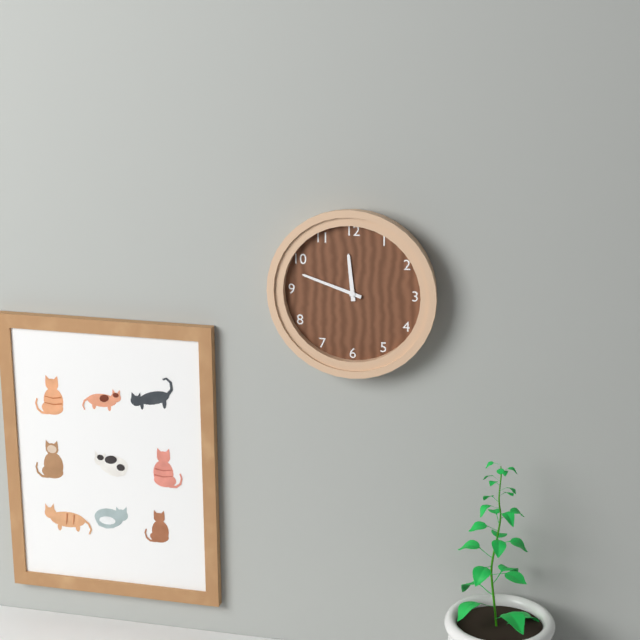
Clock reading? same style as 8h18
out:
11h48
